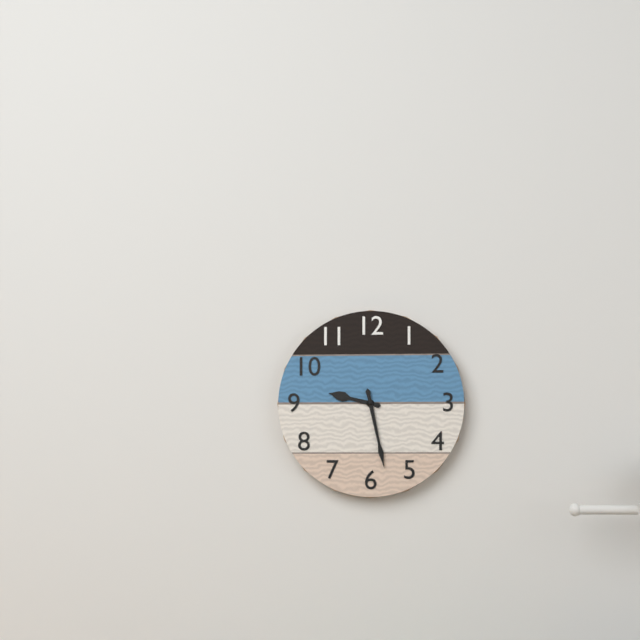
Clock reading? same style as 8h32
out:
9h28
